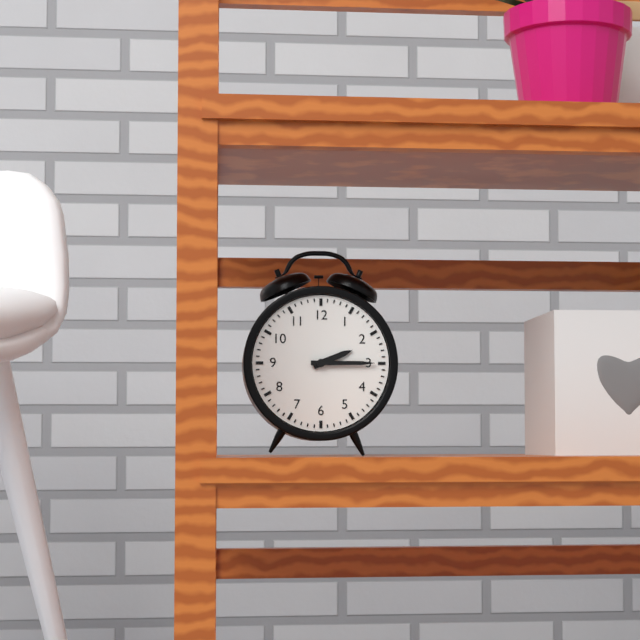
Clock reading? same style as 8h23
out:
2h15
